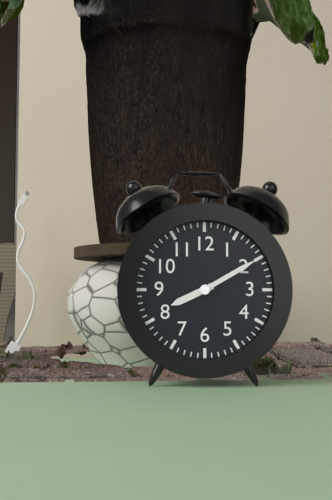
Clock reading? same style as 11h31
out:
8h10
